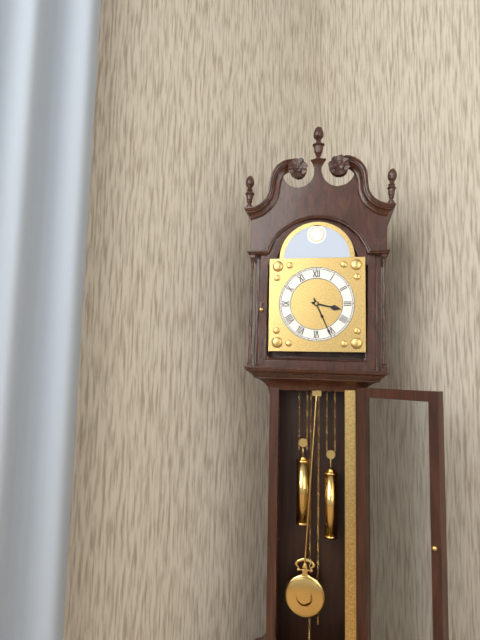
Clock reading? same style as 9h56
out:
3h26
